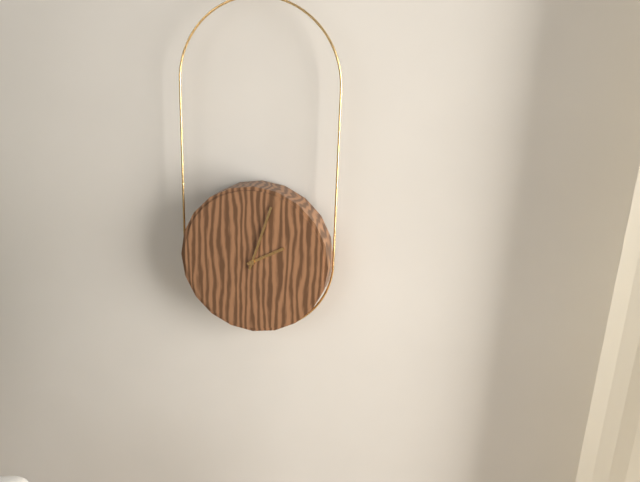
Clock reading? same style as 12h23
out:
2h03
